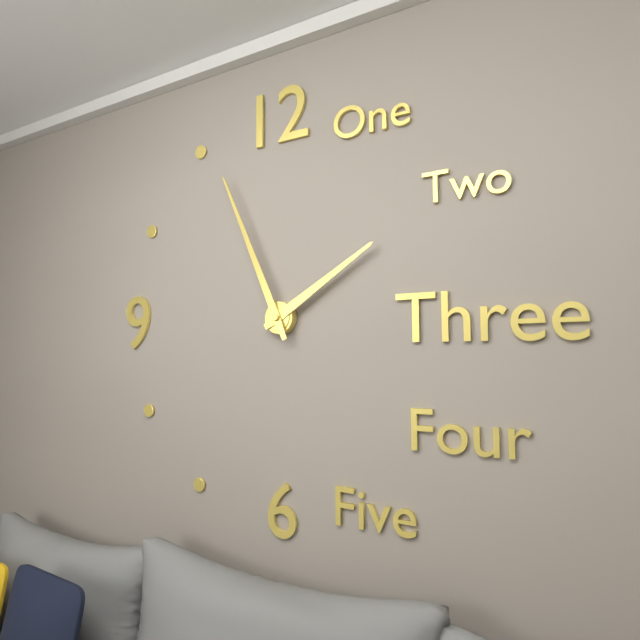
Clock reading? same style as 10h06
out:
1h56
